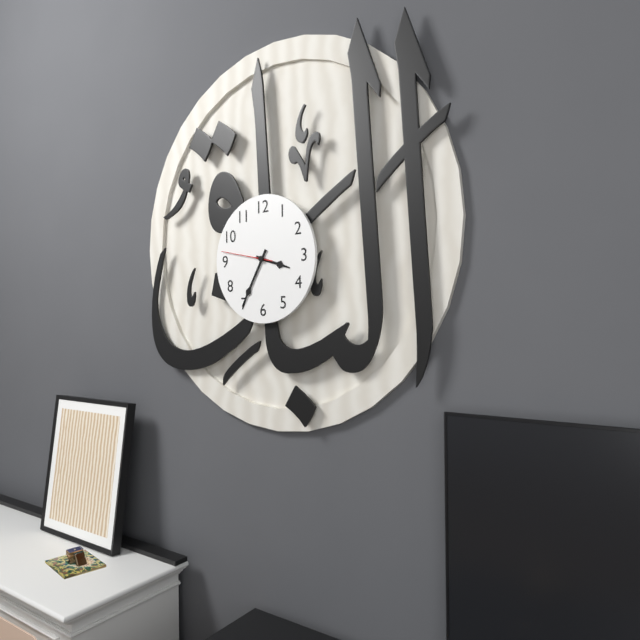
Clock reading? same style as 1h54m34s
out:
3h35m47s
